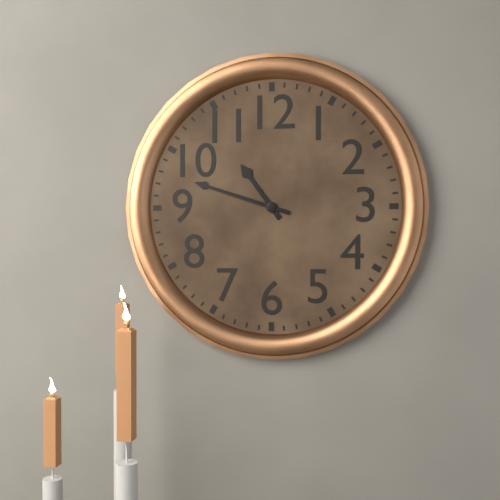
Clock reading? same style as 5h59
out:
10h48
